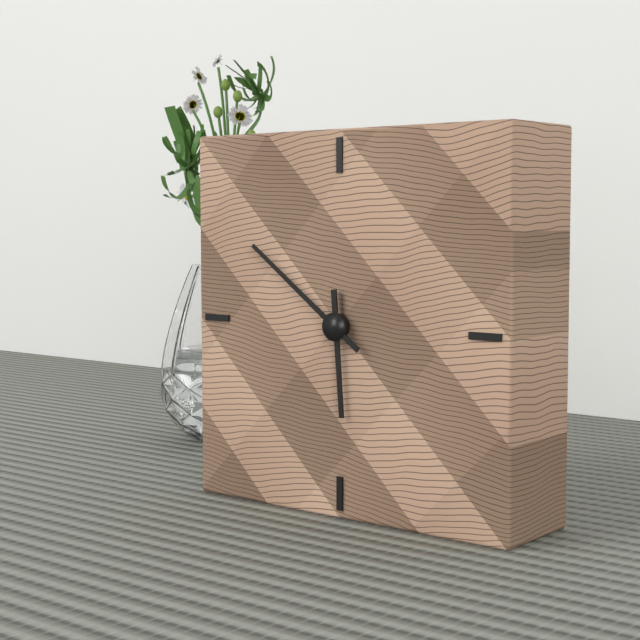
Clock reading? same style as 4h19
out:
5h51
